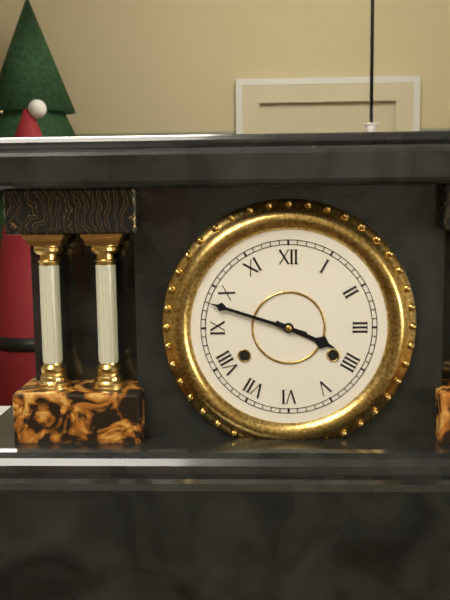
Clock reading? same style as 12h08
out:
3h48
